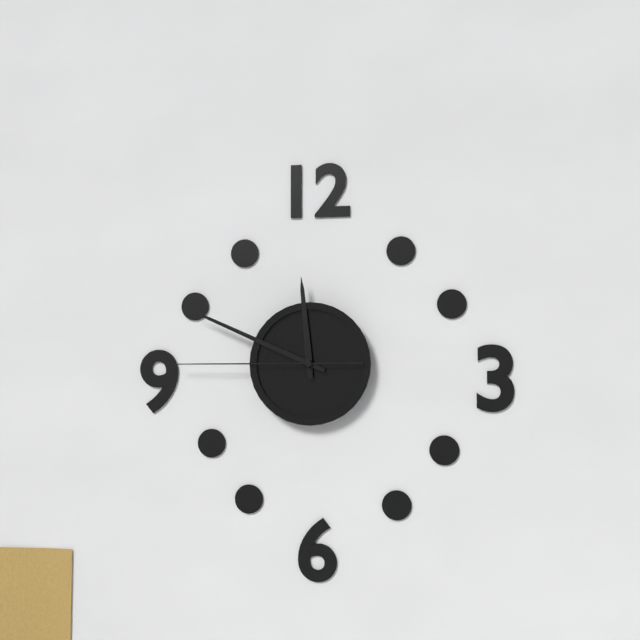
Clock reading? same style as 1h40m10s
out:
11h49m45s
